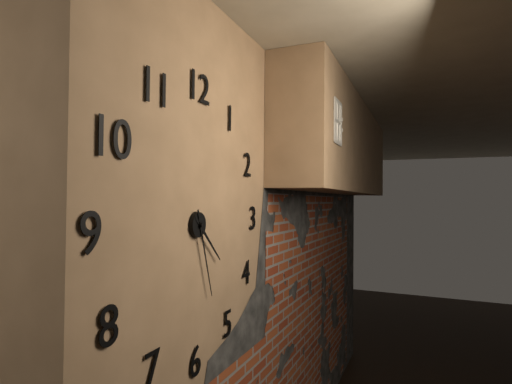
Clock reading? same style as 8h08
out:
4h27
